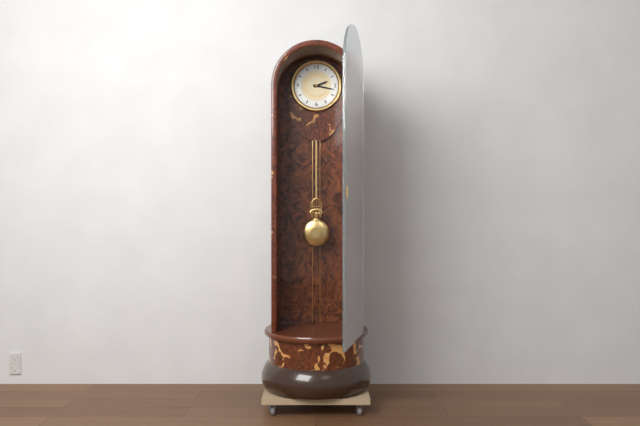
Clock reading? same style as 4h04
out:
2h17
